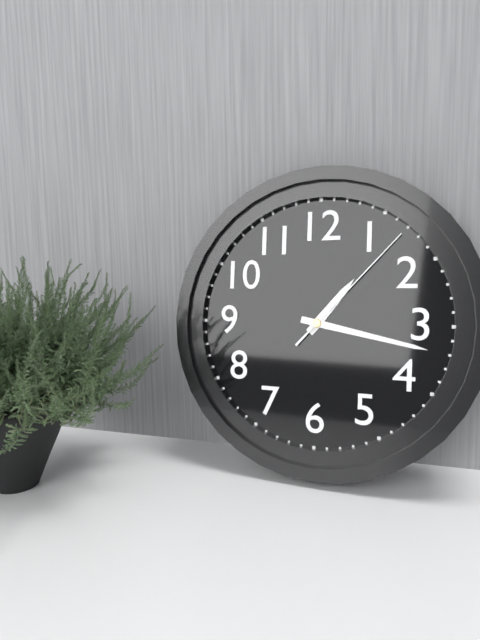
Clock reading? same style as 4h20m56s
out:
1h17m07s
